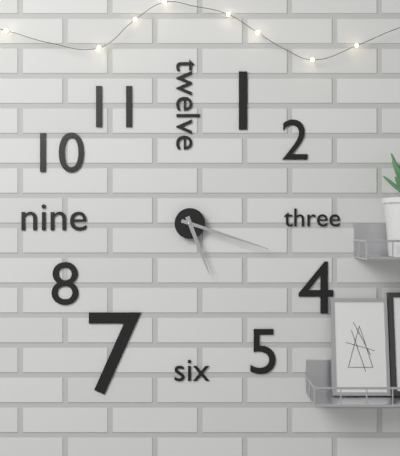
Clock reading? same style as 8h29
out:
5h18
